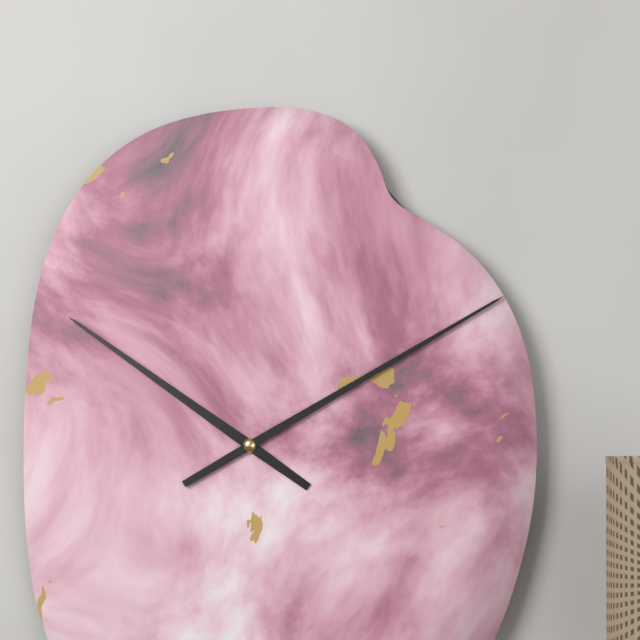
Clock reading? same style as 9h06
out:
10h10
